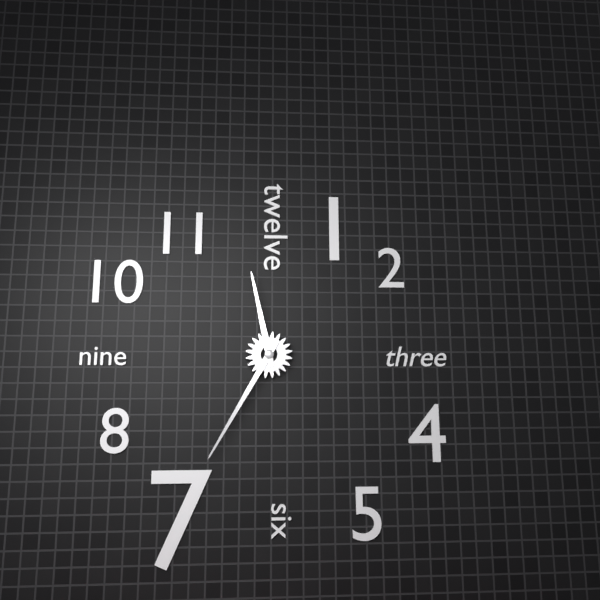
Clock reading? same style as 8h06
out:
11h35
